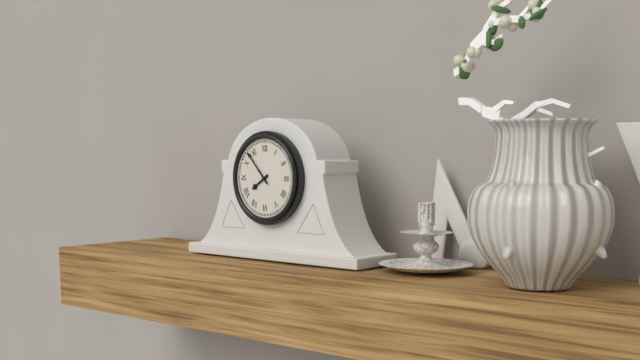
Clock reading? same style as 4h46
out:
7h53
